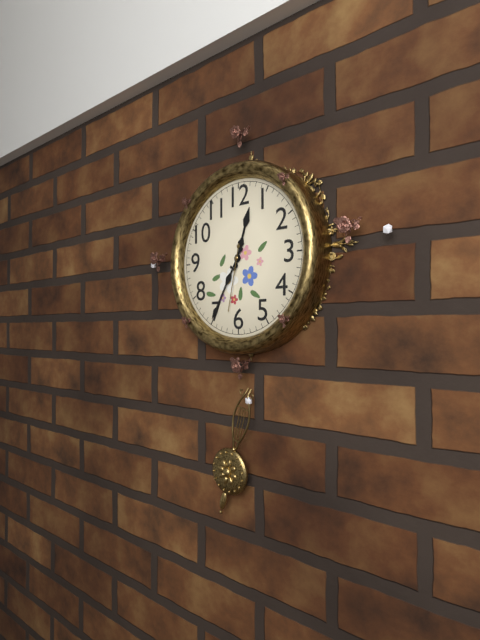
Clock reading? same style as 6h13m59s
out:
12h35m32s
